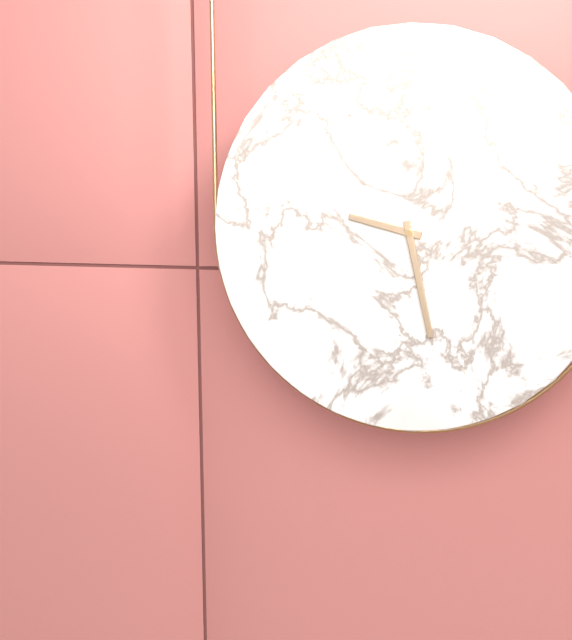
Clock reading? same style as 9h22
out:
9h28
